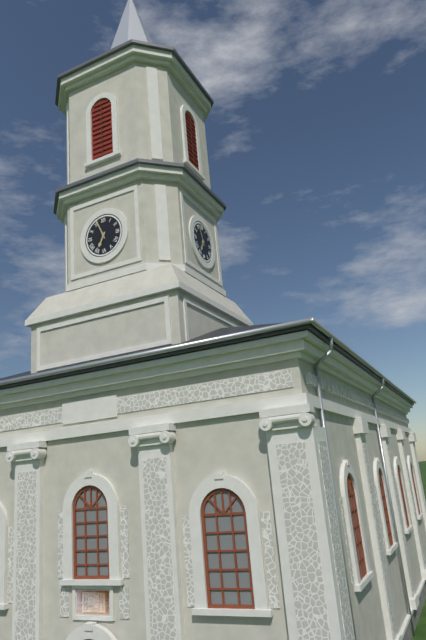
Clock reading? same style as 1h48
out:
6h56
